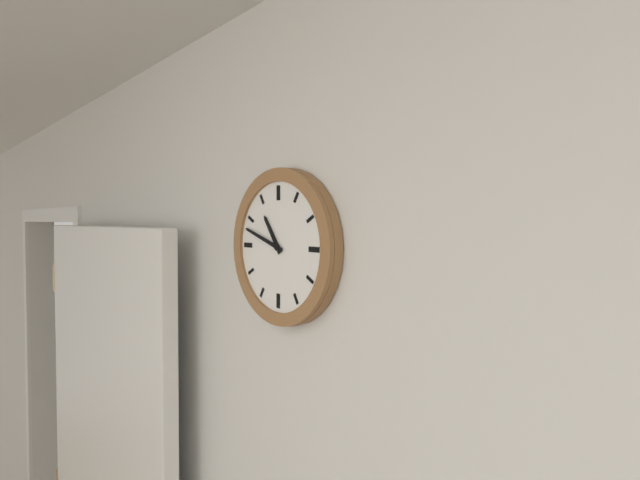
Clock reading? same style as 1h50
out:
10h48
